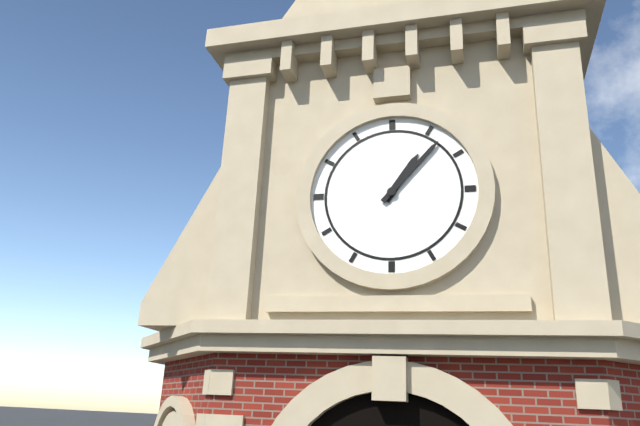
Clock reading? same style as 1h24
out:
1h07
